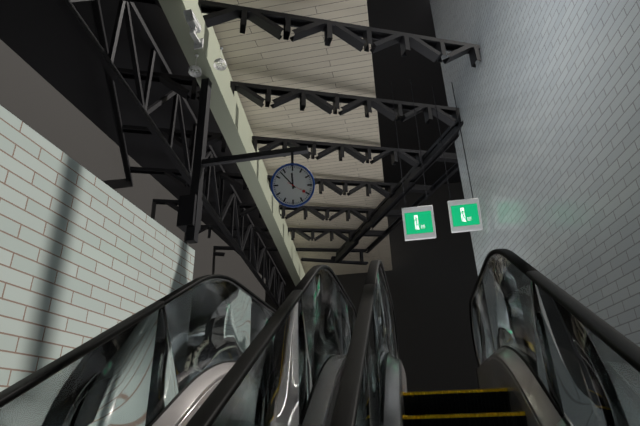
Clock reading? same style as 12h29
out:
11h53
